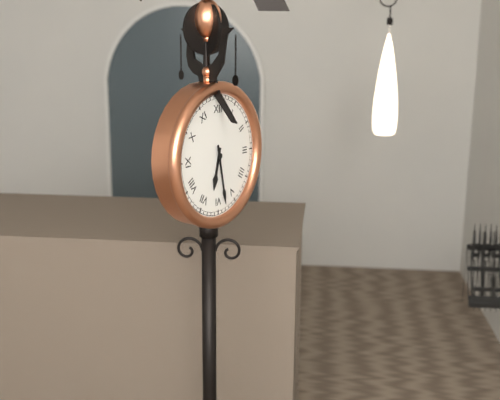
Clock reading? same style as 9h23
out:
6h28
